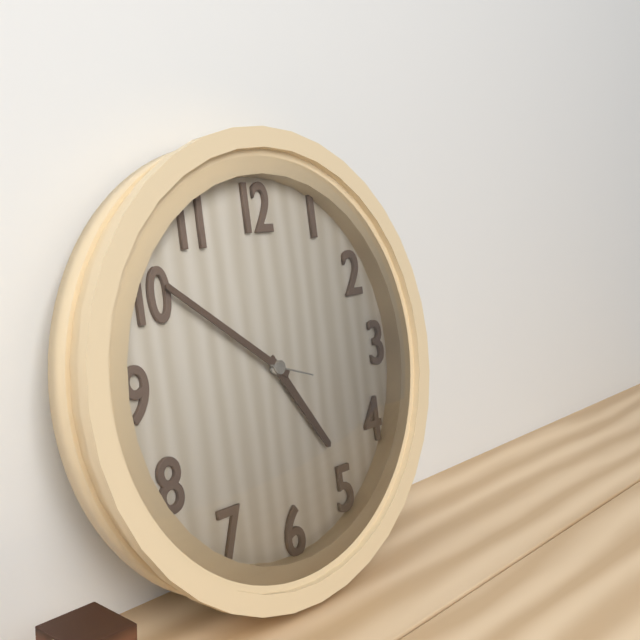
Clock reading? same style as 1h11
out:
4h51
